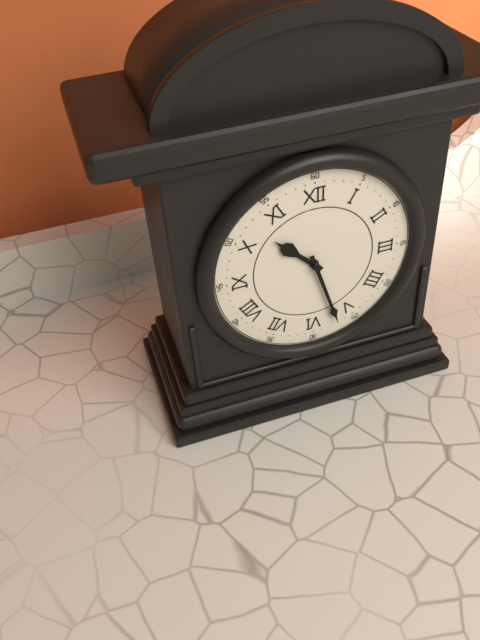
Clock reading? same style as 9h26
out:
10h27
